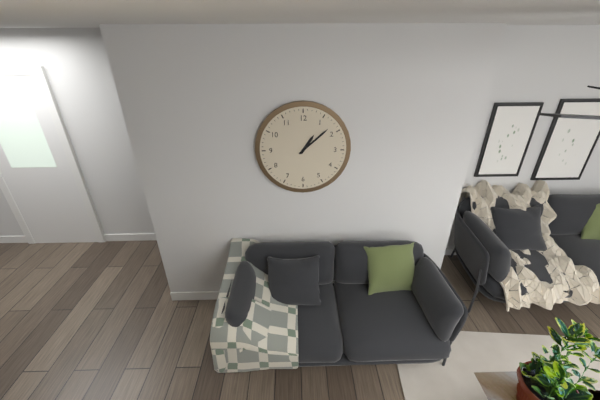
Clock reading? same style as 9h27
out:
1h08
